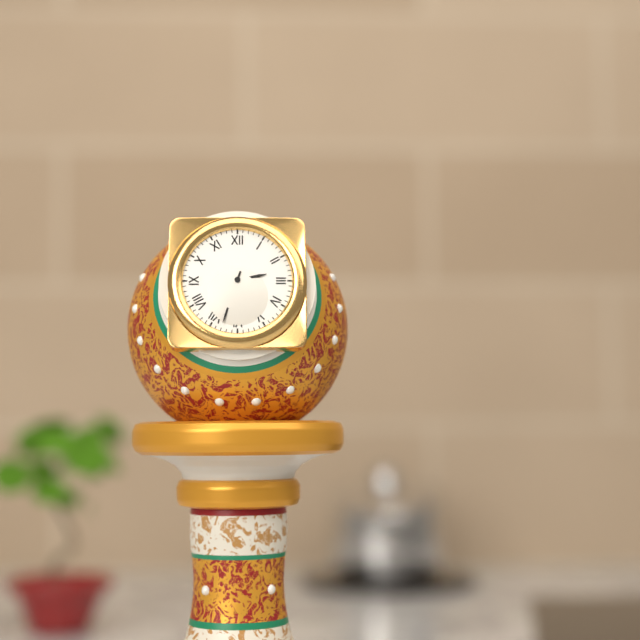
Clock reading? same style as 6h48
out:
2h33
